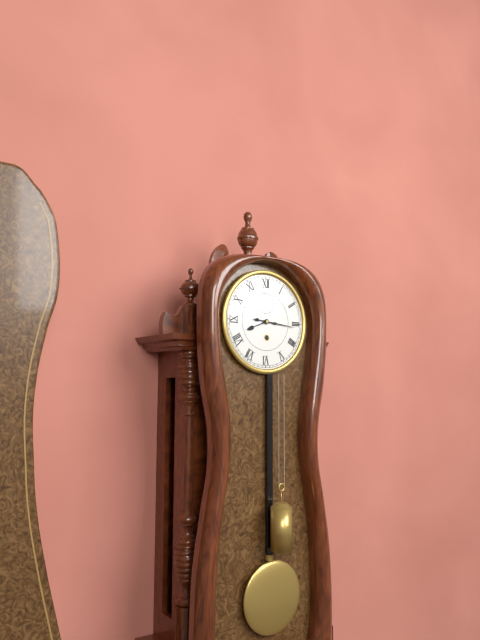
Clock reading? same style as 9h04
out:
8h16
